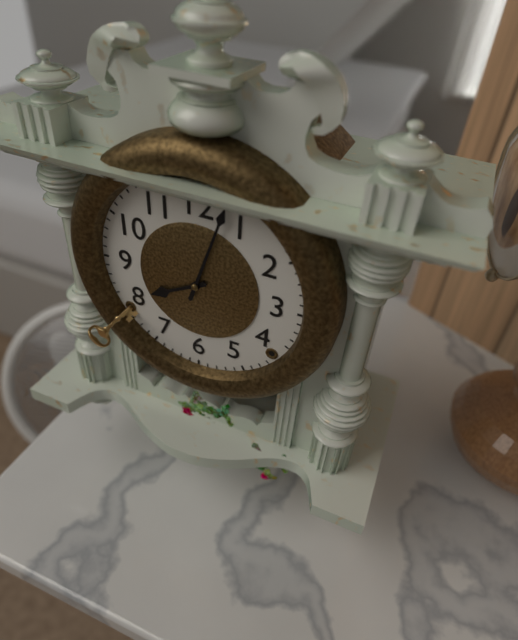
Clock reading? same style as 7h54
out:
8h03
